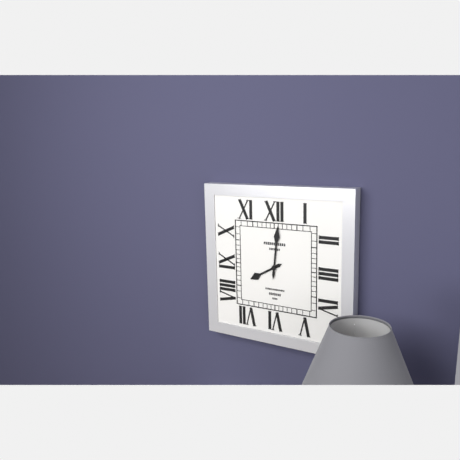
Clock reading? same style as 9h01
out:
8h01
